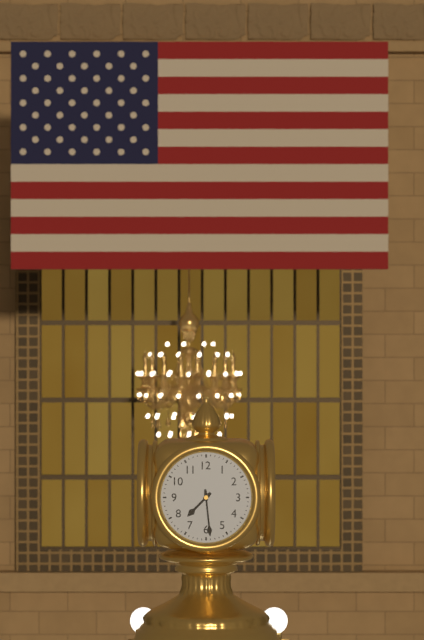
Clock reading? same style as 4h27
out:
7h29
